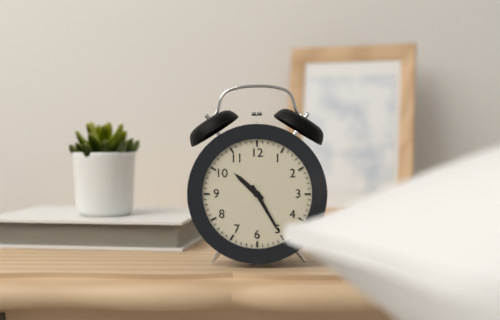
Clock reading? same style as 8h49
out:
10h25
